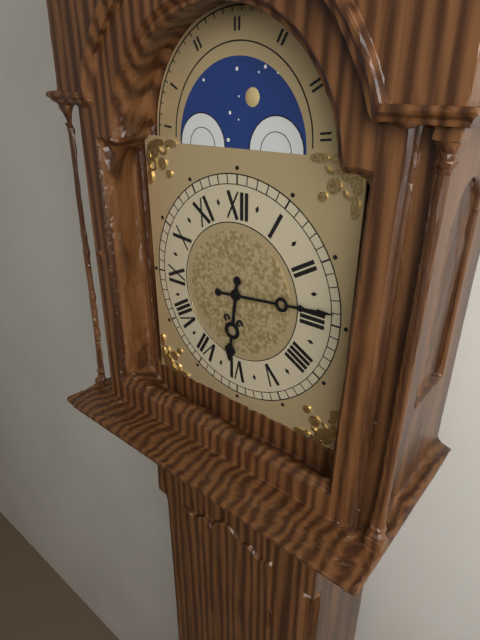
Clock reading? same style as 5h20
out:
6h14
